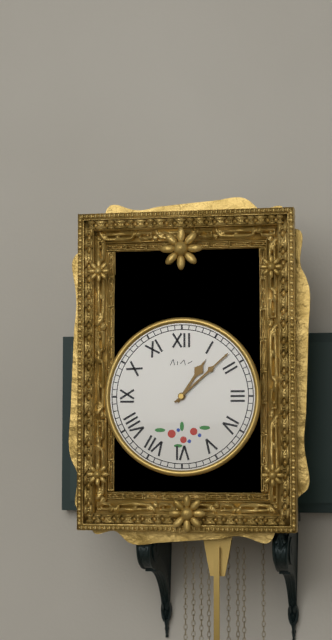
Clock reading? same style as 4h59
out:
1h08
